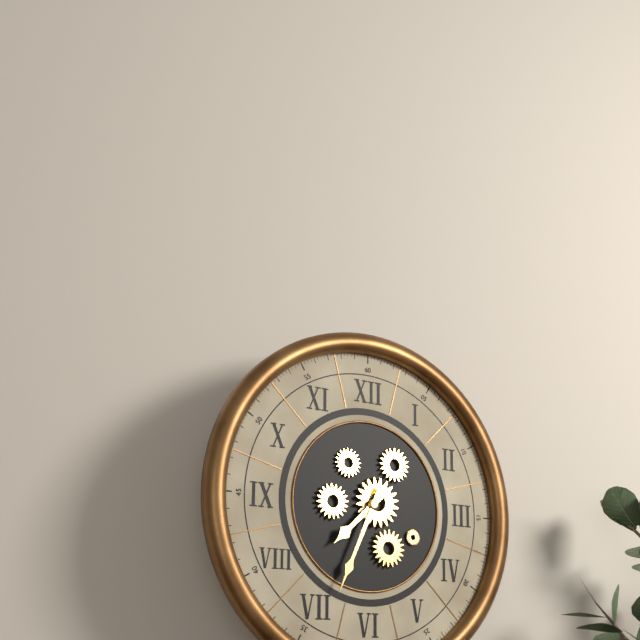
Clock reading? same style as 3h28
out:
7h34
